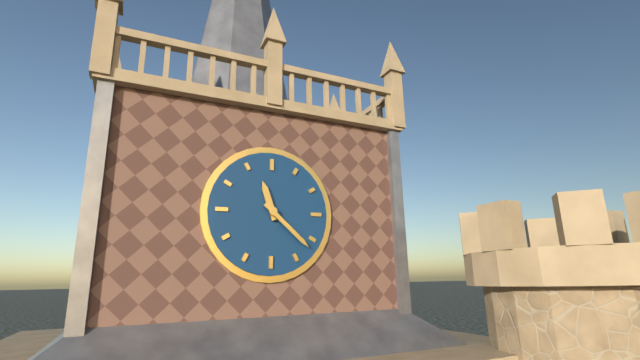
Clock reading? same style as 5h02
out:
11h22
